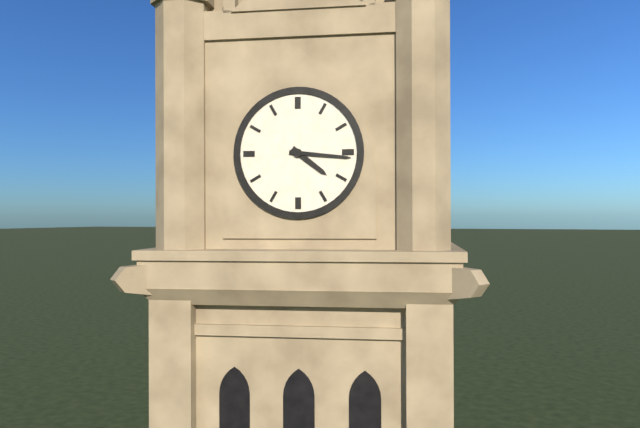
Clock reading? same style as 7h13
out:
4h16
